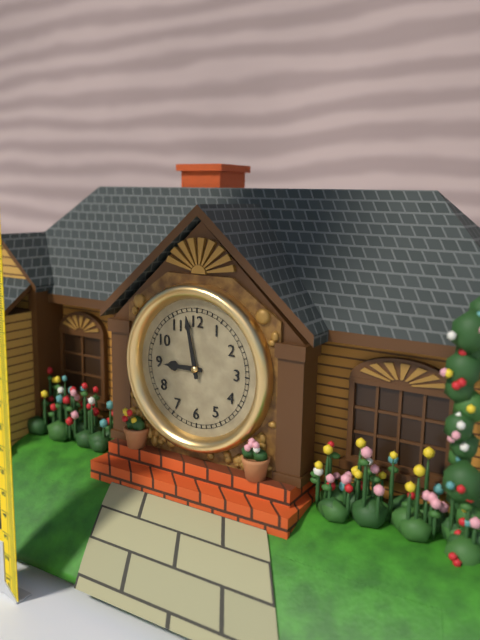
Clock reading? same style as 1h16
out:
8h58
